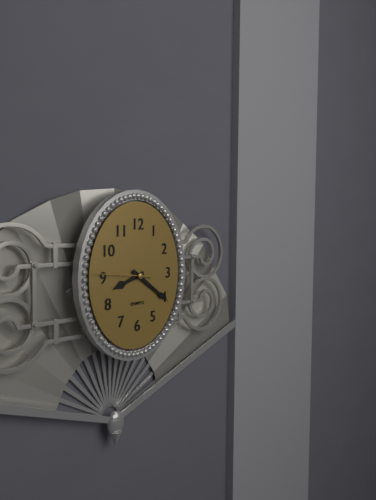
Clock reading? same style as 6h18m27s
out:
8h21m46s
